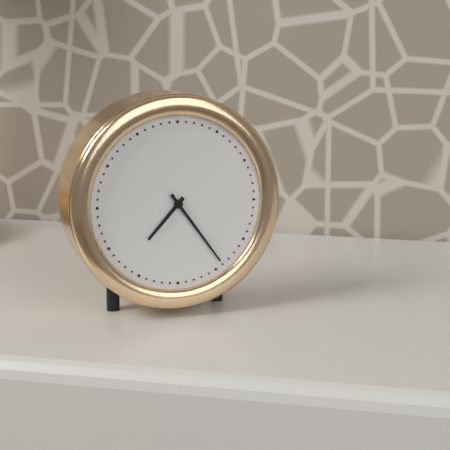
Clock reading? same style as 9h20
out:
7h24
